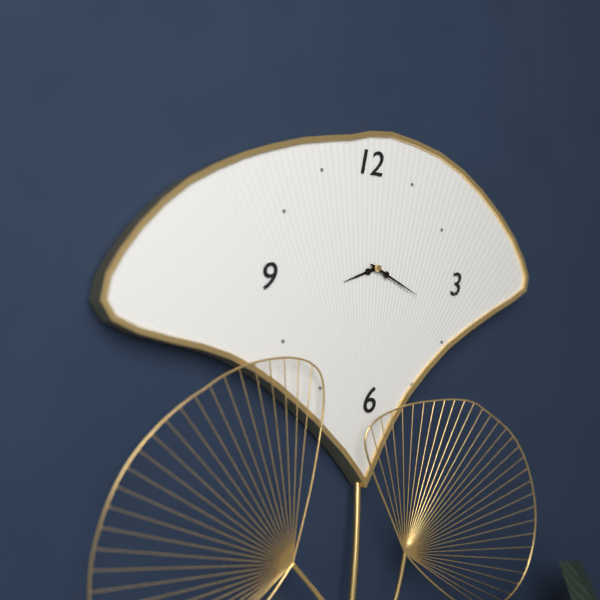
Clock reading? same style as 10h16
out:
8h19
